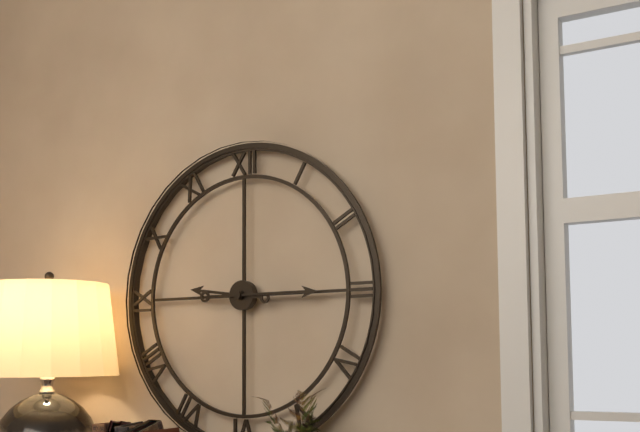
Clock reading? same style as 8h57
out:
9h15
